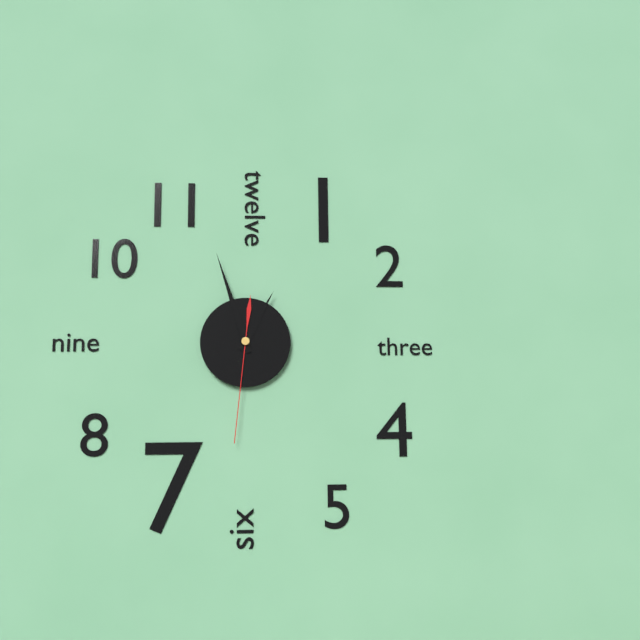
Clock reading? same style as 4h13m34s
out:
12h57m31s
